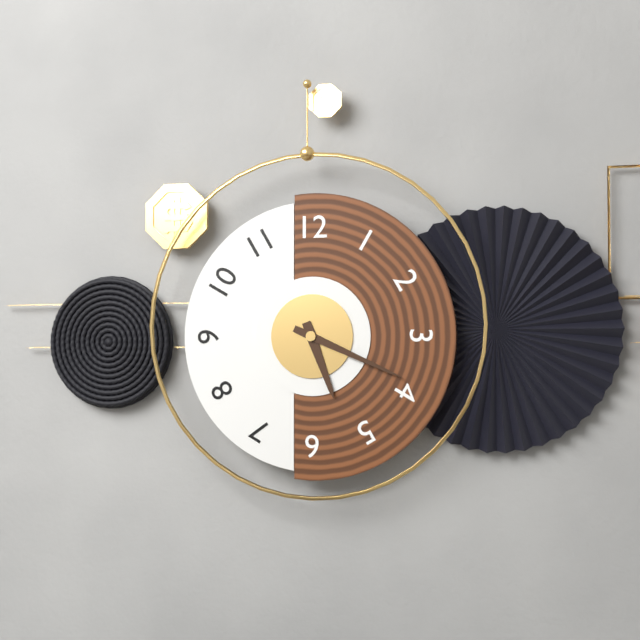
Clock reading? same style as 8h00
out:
5h19
